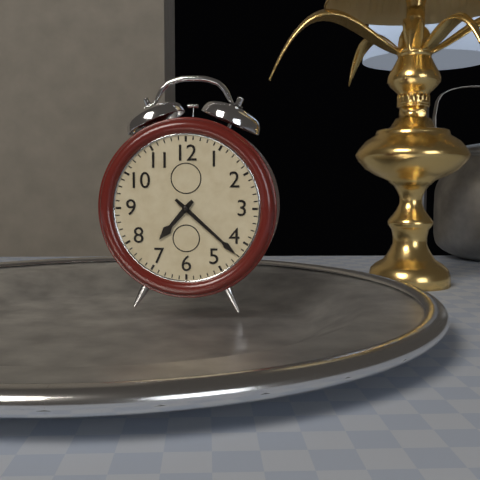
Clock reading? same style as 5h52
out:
7h22
